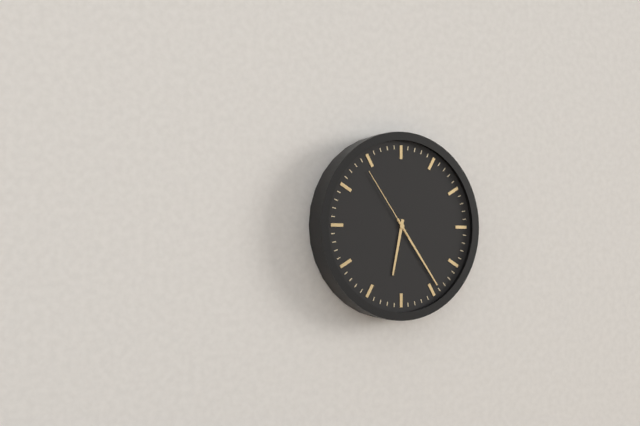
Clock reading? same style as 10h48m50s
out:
6h24m54s
